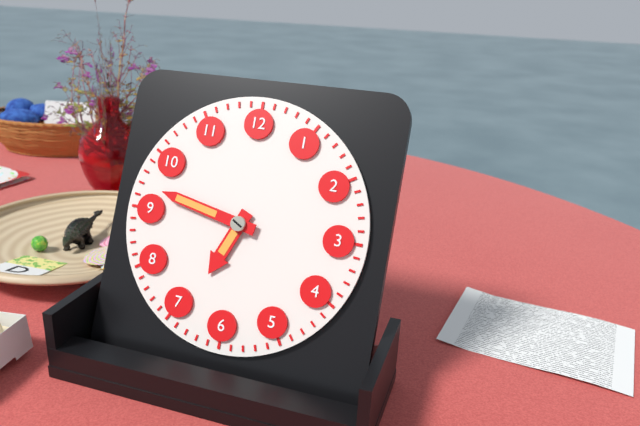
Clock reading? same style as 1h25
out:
6h47
